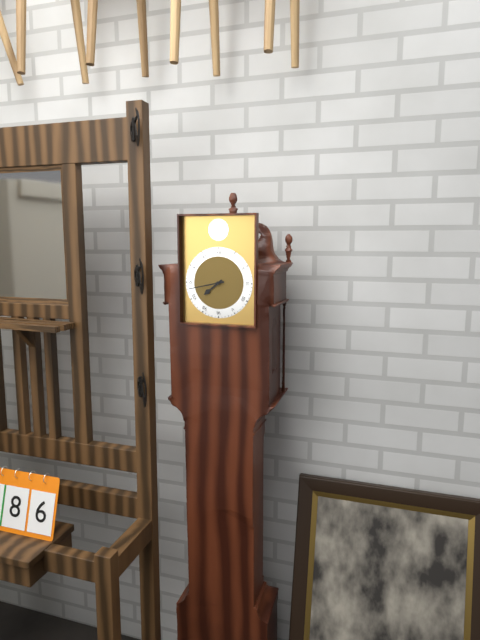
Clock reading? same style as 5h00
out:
7h43
